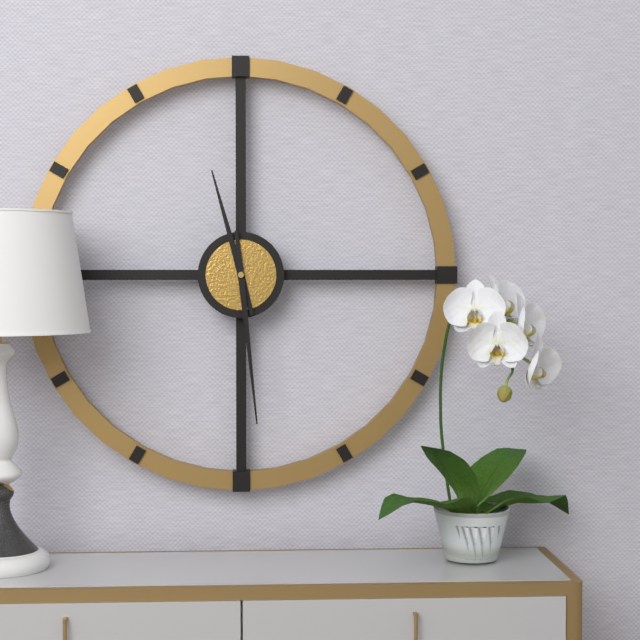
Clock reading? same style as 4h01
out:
11h29
